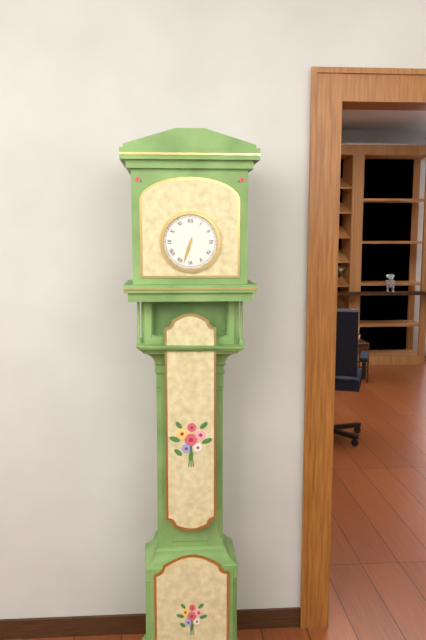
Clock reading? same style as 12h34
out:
6h33
